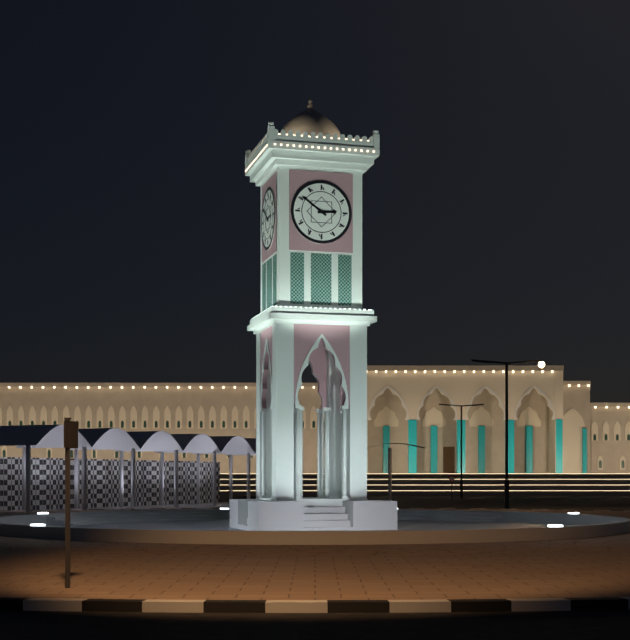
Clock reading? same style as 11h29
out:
2h51
